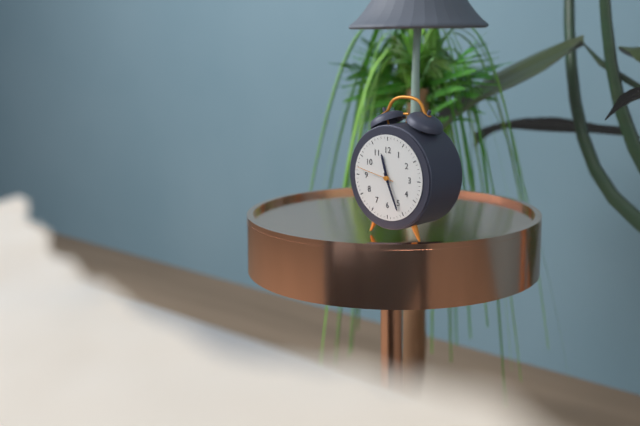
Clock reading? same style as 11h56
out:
11h26
